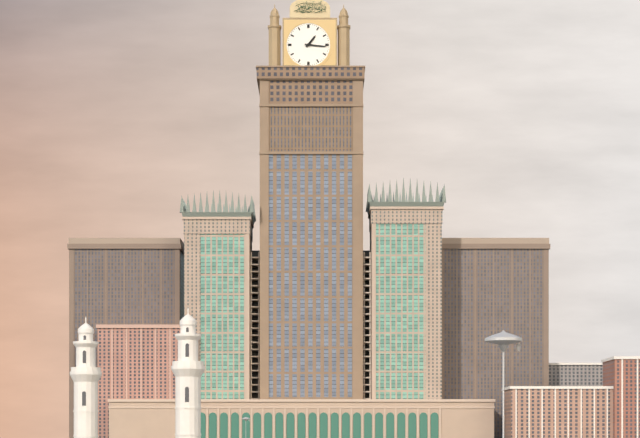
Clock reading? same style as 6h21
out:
1h16
